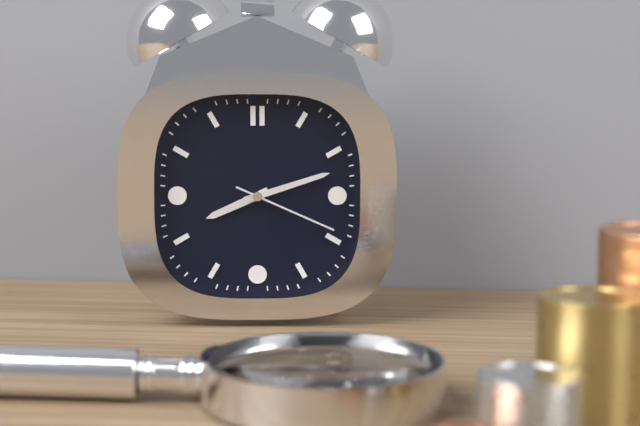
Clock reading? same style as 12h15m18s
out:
8h12m19s
